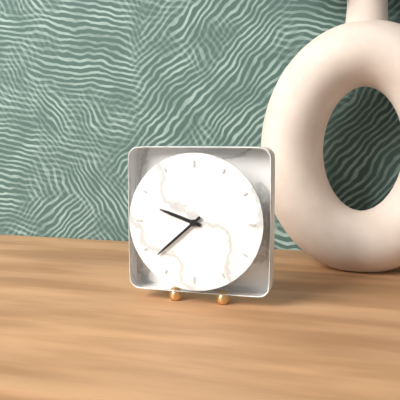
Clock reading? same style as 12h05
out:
9h38
